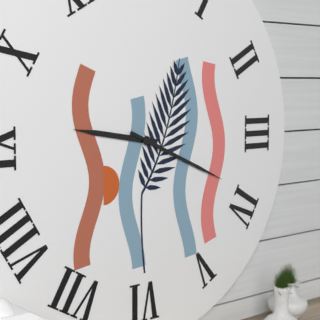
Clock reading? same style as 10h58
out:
9h19
